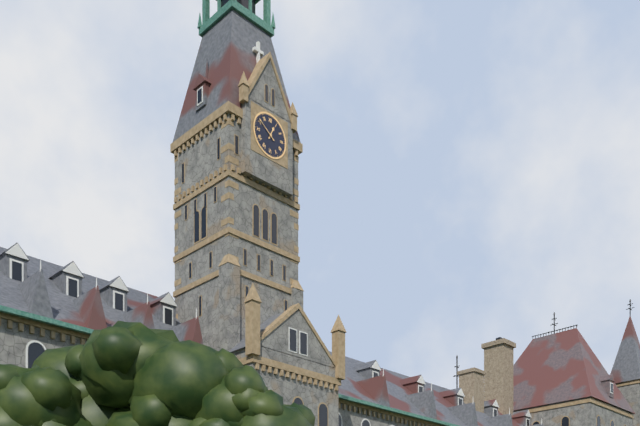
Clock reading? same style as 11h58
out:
12h51
